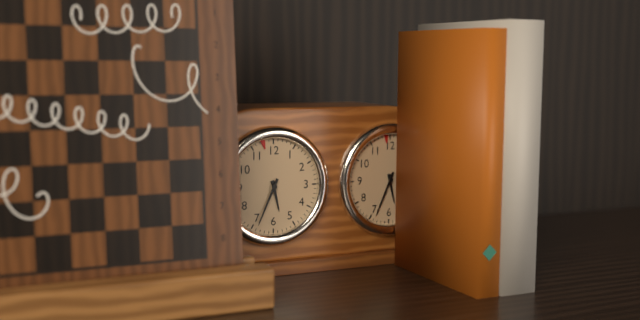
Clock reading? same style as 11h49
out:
5h34
